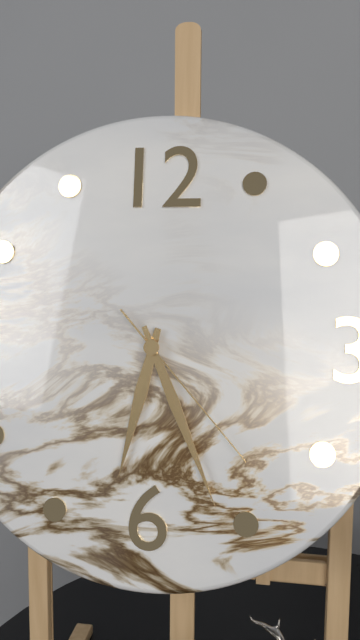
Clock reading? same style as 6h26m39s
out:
6h26m23s
